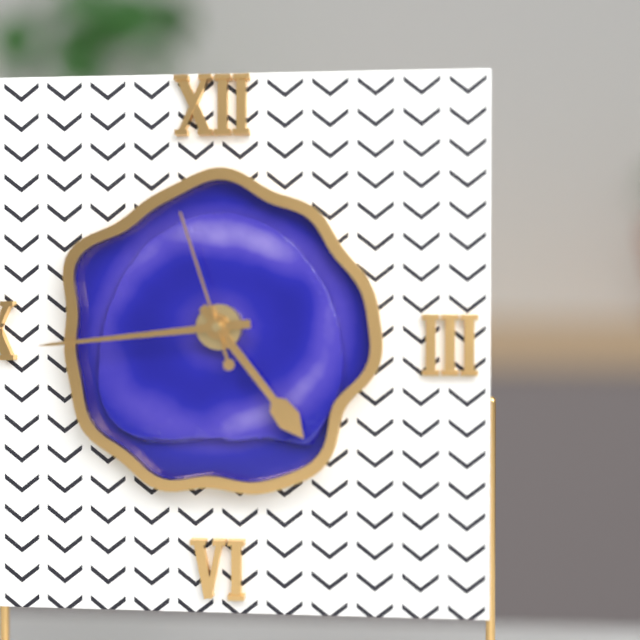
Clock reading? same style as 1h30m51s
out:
4h44m57s
